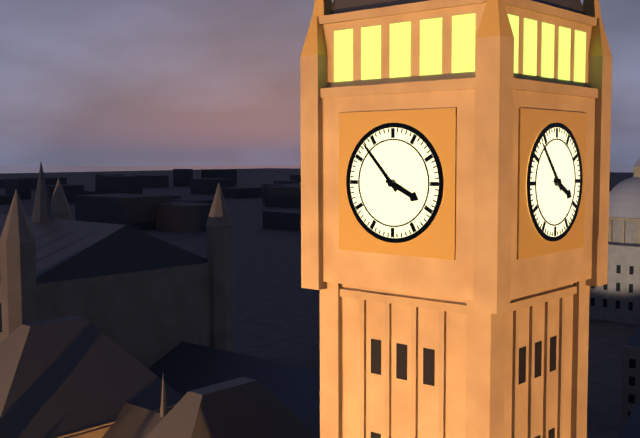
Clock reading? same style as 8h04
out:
3h53
